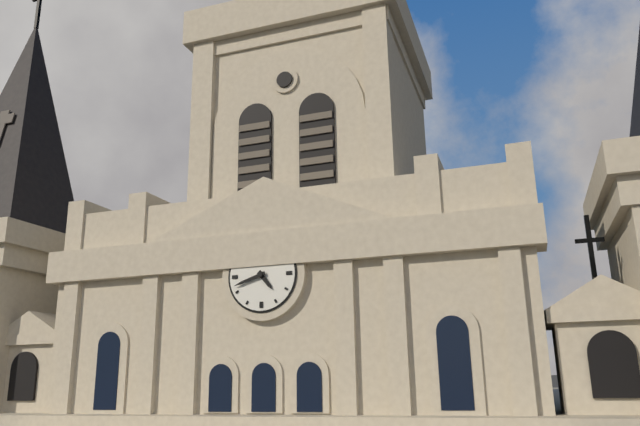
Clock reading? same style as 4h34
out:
4h42
